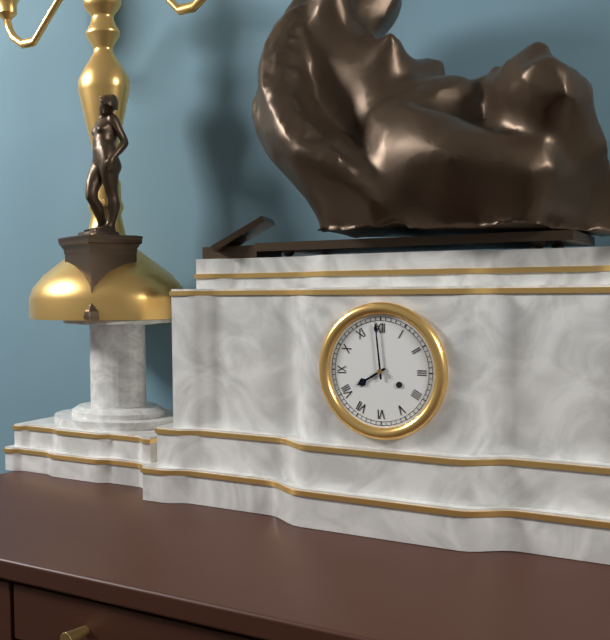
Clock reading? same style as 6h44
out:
7h59
